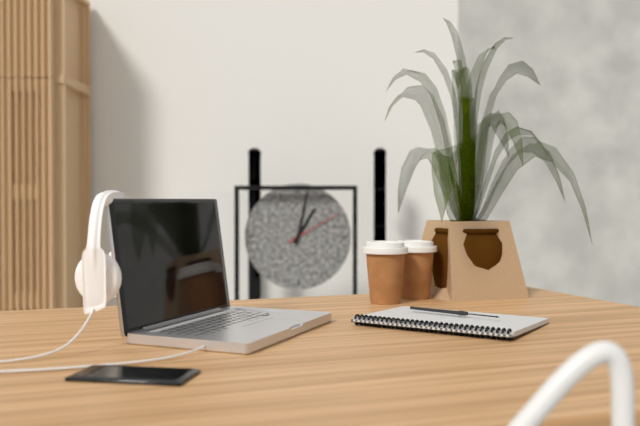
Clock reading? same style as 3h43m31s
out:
1h02m10s
